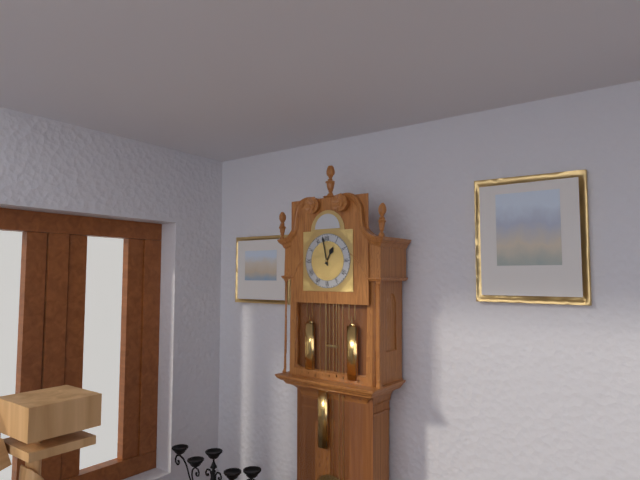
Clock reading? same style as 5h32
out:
12h58
